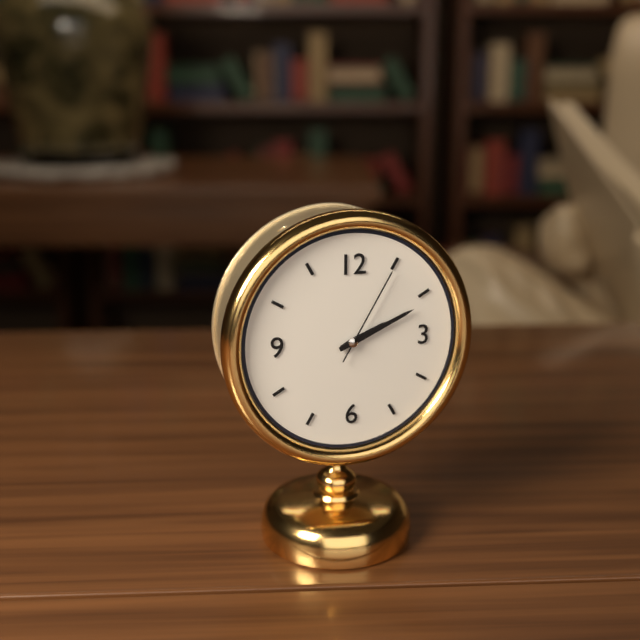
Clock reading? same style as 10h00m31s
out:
2h11m05s
